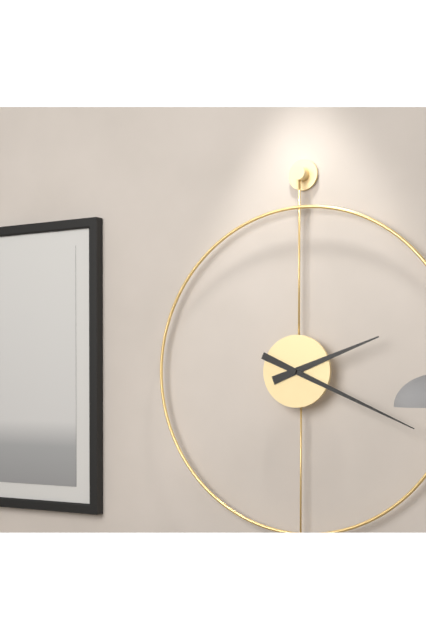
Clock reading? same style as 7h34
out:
2h19
